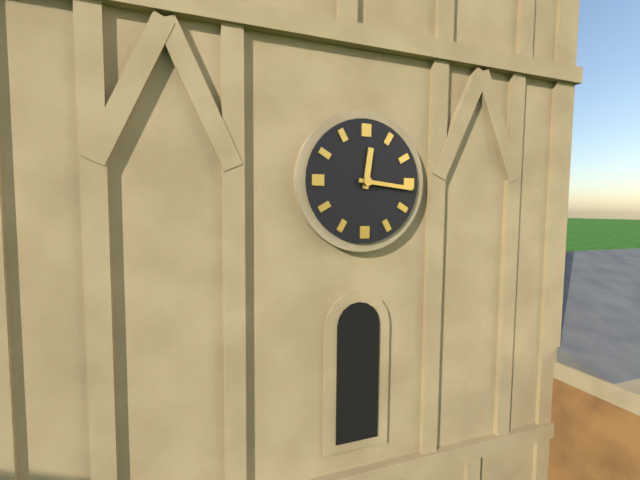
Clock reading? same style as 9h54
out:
12h16
